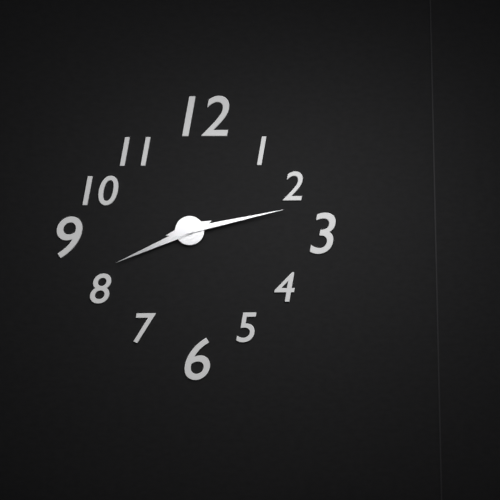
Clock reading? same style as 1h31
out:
8h13
